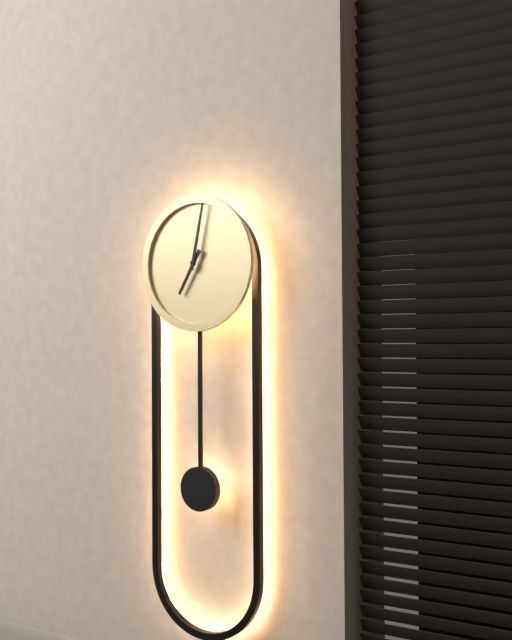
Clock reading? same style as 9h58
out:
7h02
